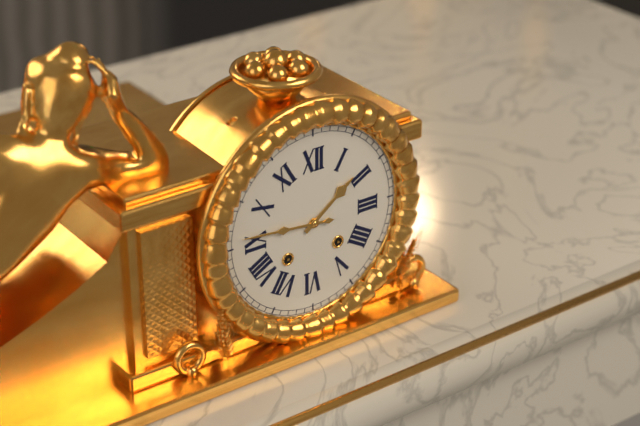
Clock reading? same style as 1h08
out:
1h46
